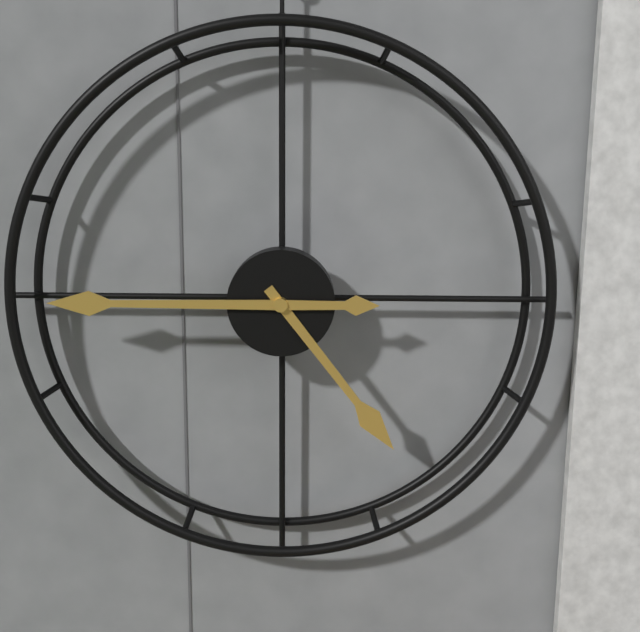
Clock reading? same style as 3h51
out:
4h45
